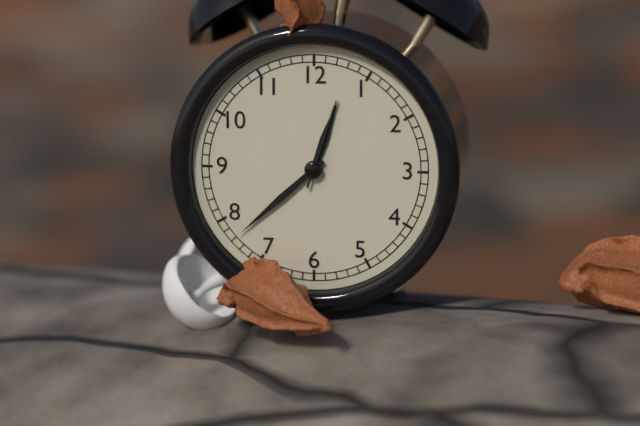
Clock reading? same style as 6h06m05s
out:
12h38m03s
